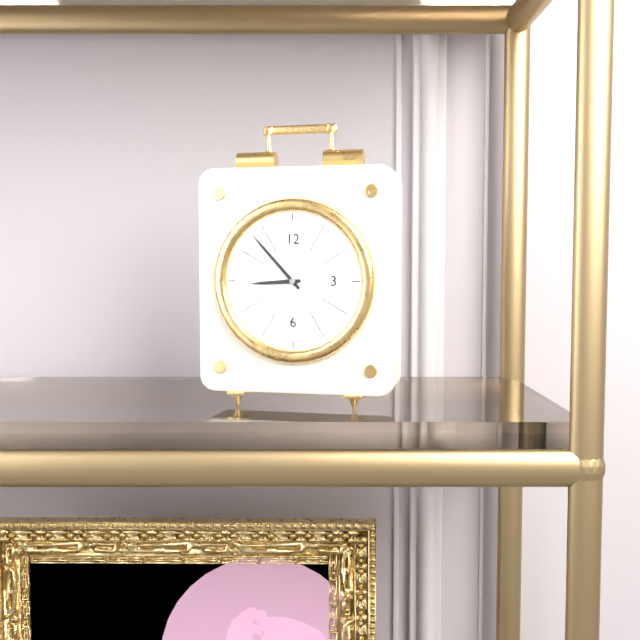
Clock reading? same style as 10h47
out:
8h53
